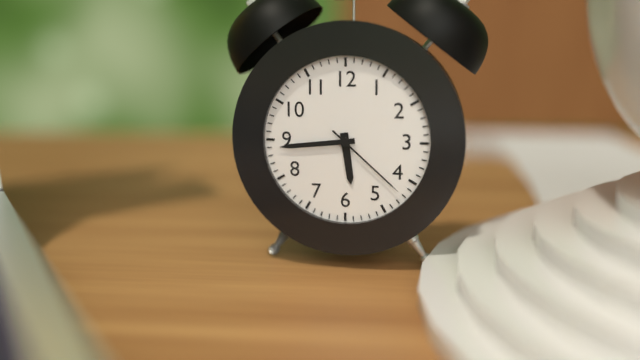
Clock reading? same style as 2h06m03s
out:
5h44m22s
